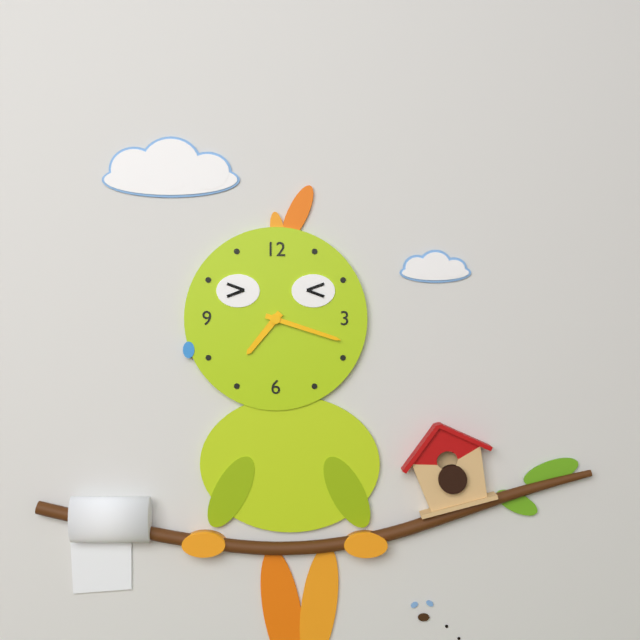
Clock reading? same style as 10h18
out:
7h18
